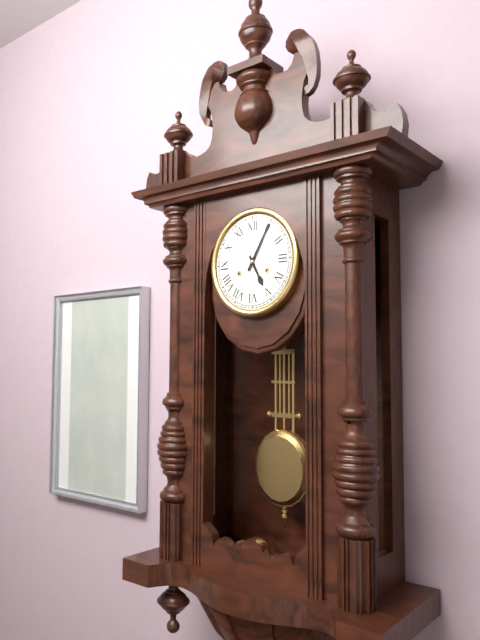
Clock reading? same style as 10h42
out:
5h05
